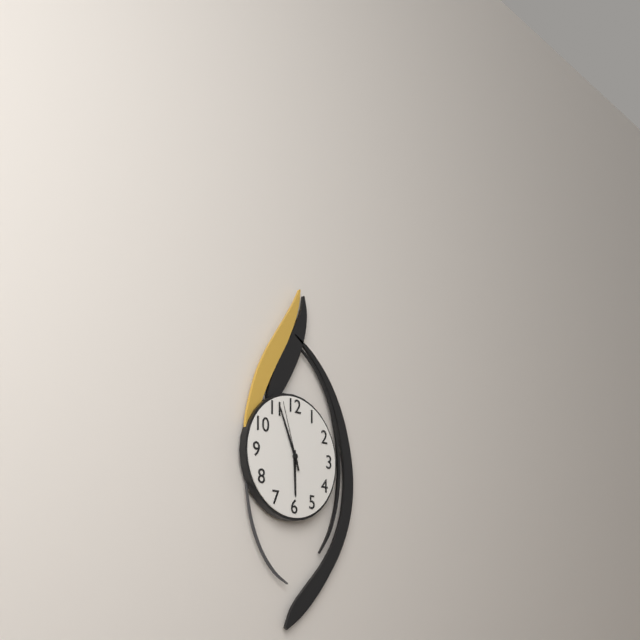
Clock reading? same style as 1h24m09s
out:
5h56m57s
